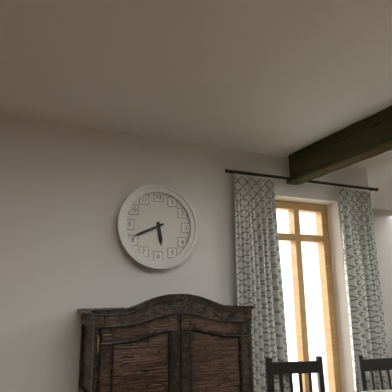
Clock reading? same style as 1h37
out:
5h41
